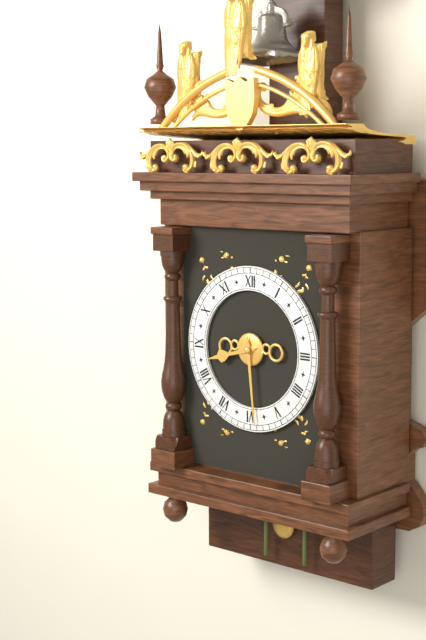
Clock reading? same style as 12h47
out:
8h29
